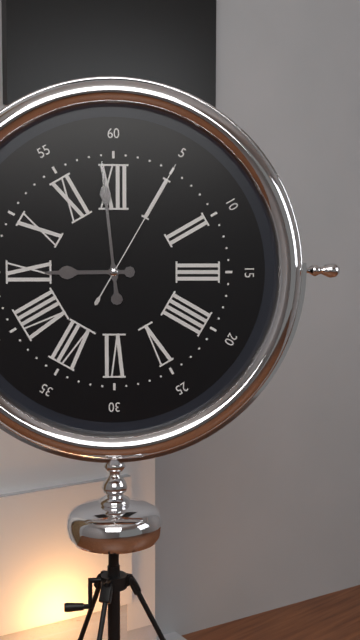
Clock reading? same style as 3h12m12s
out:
8h59m05s
